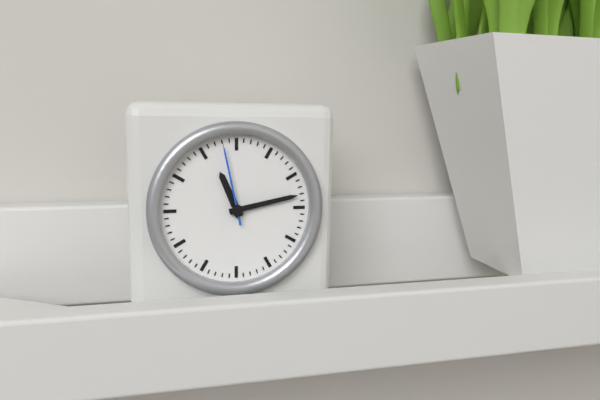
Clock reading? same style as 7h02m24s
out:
11h13m58s
